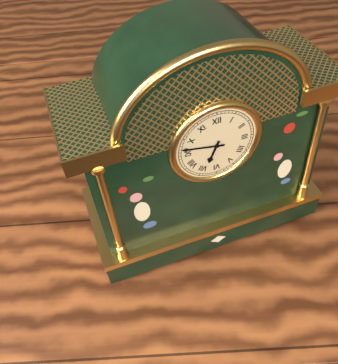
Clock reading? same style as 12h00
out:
6h47
